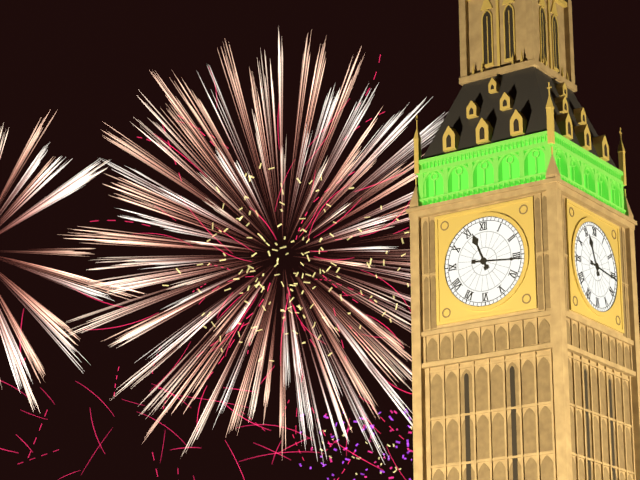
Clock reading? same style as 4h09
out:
11h16
